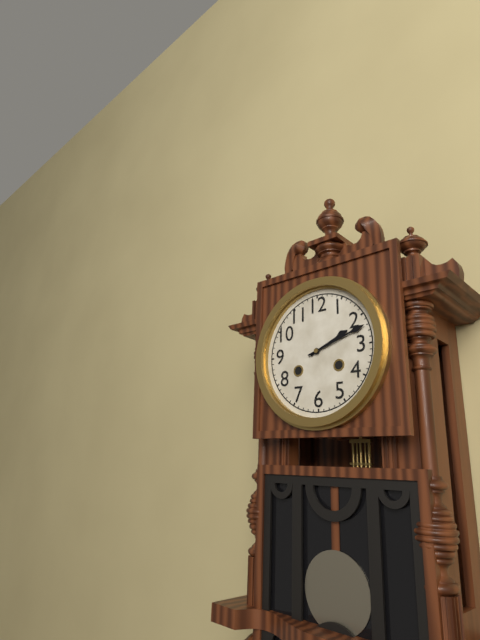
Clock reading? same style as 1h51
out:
2h12
